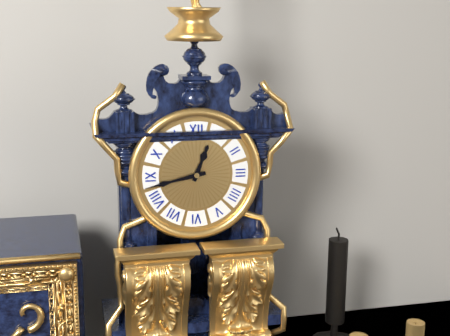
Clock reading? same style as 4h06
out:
12h43
